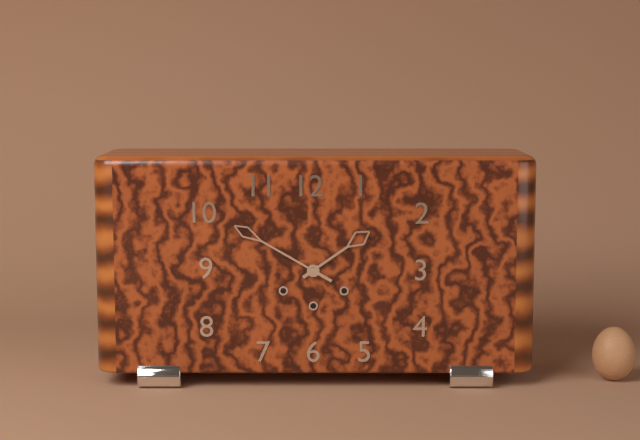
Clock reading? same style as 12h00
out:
1h50
